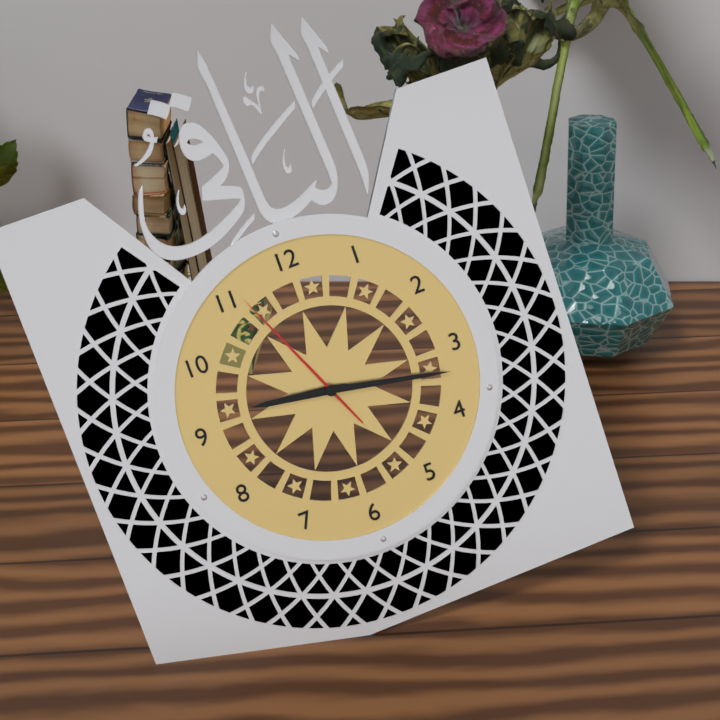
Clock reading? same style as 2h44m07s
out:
9h17m56s
